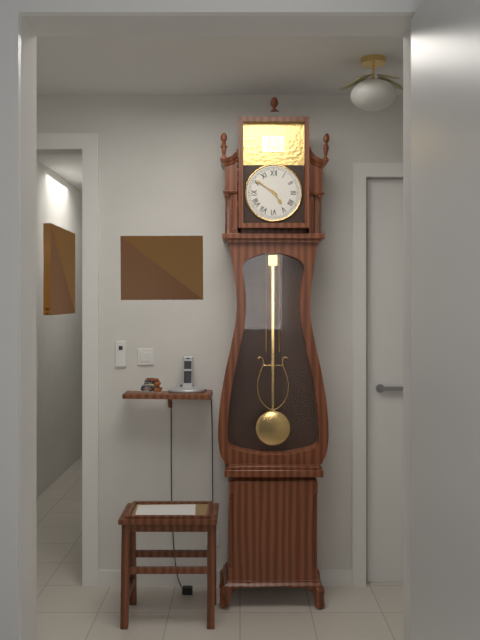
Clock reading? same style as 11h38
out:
4h51
